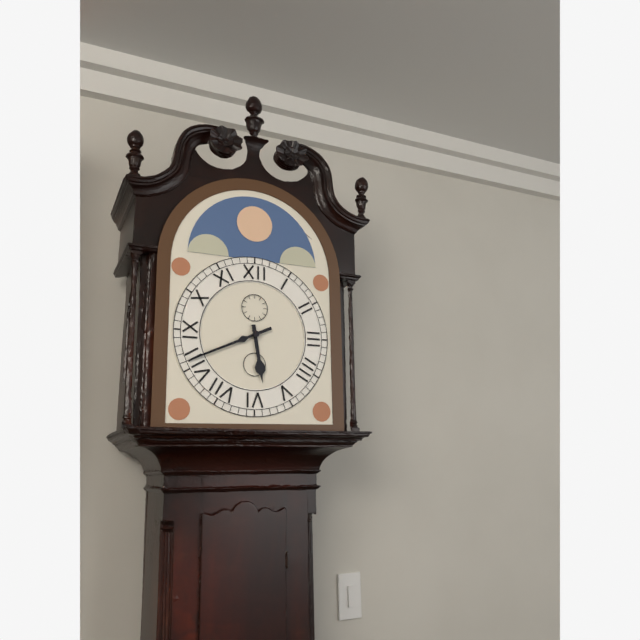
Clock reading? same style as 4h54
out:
5h41
